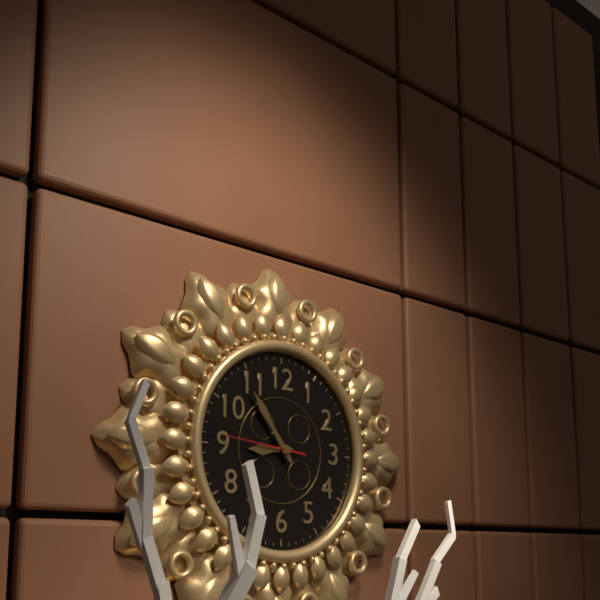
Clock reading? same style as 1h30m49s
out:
8h54m46s
